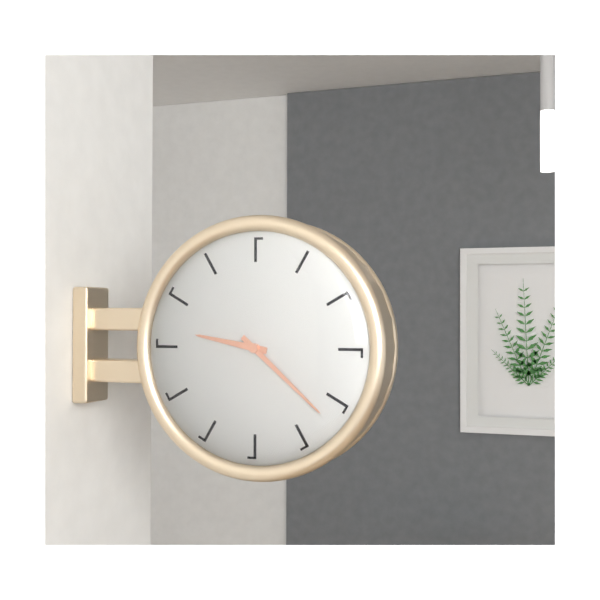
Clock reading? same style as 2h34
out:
9h22
